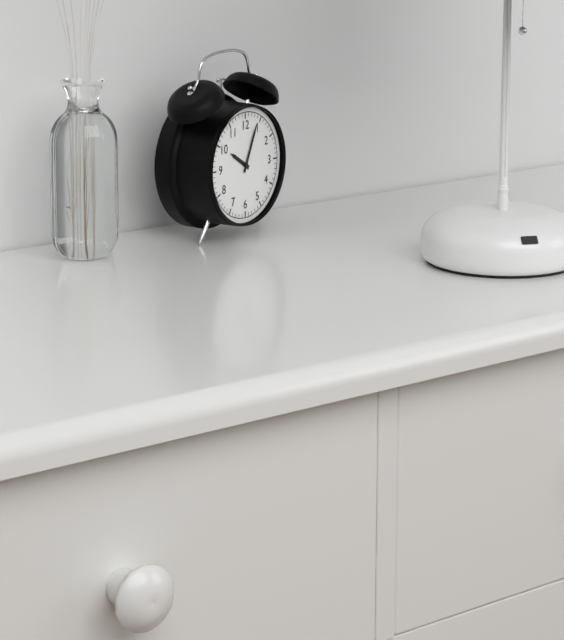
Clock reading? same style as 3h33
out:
10h04
